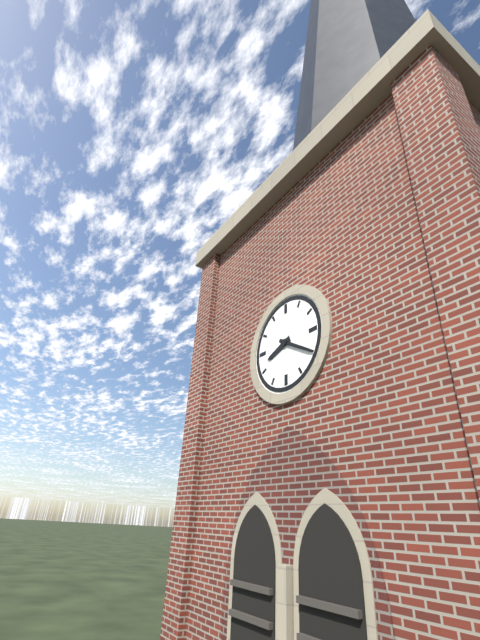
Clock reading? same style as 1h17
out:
8h20
